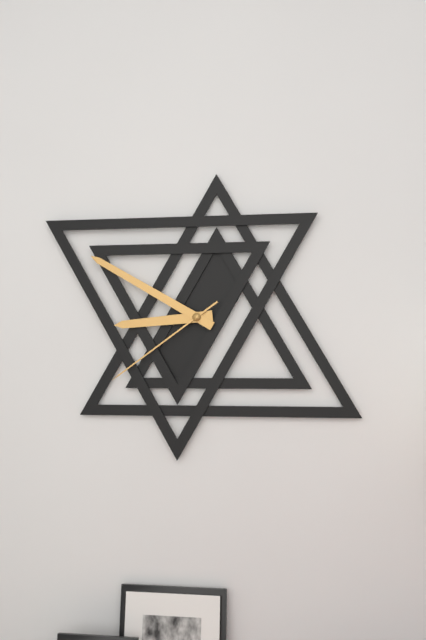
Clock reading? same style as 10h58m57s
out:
8h50m39s
